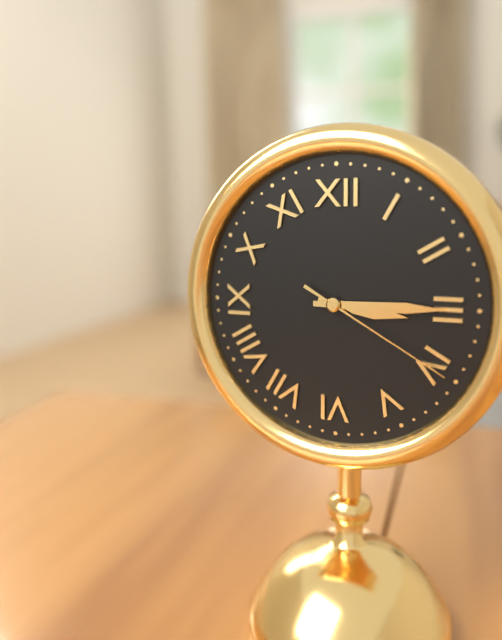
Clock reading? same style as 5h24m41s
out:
3h15m20s
